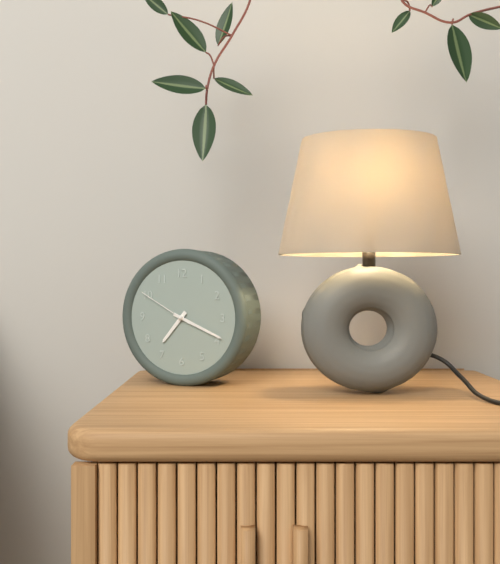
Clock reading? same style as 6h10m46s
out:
7h19m50s
